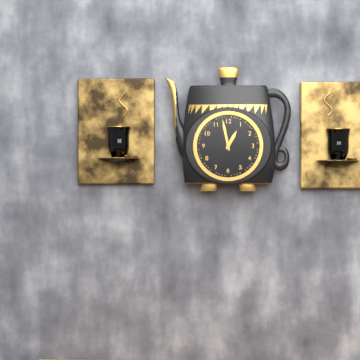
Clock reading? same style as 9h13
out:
12h58
